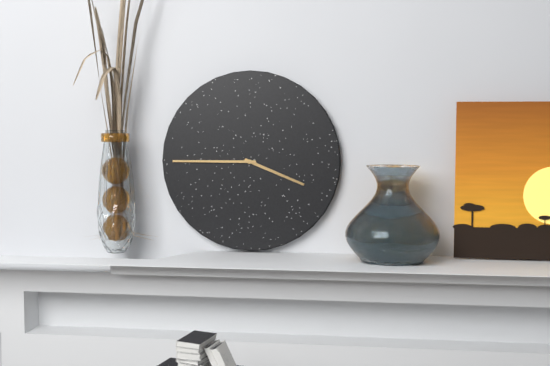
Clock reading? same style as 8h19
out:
3h45
